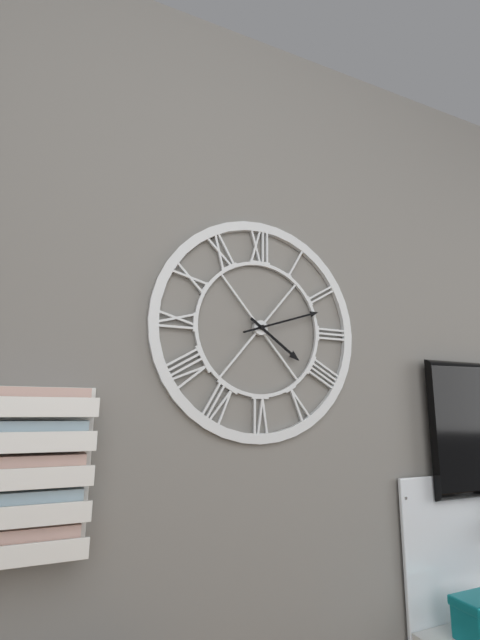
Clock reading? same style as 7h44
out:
4h12
